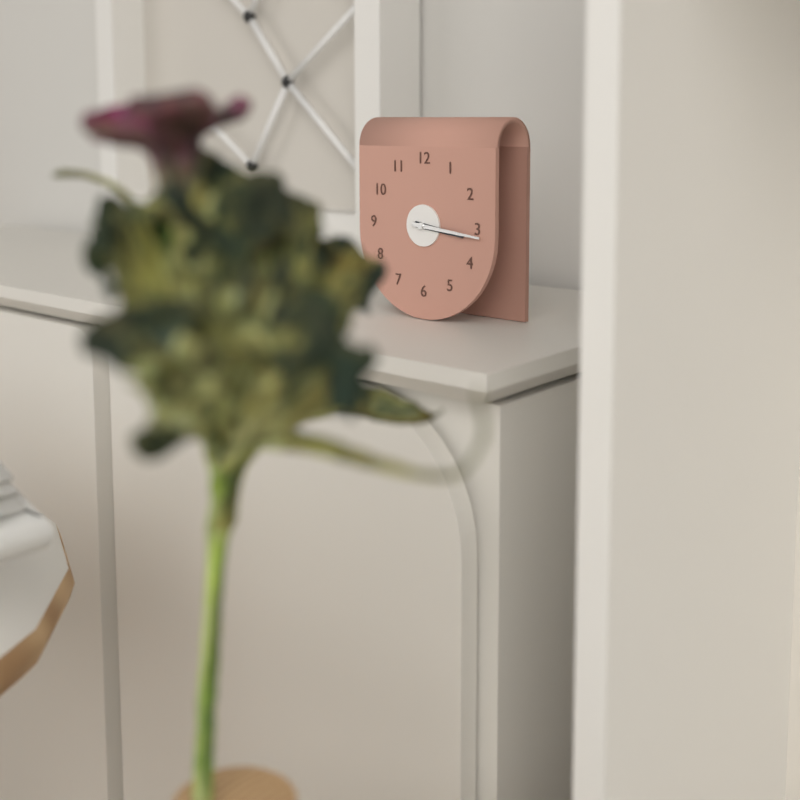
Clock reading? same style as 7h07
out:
3h16
